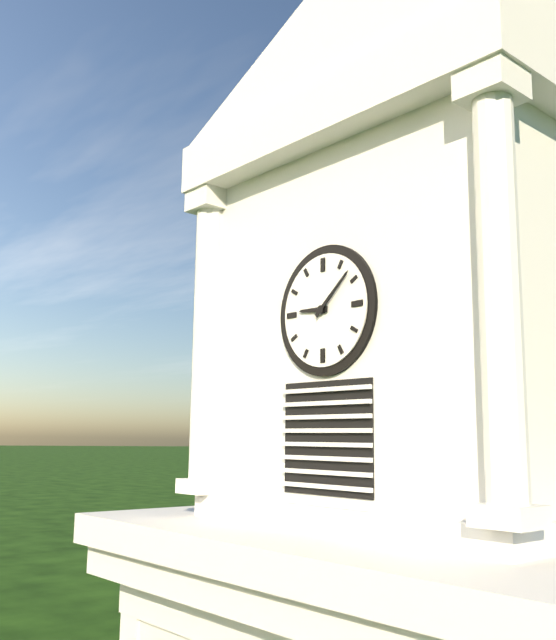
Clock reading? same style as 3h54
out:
9h08
